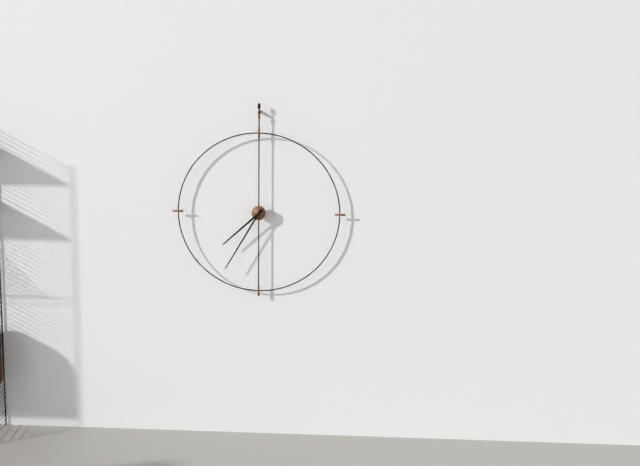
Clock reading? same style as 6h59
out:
7h35
